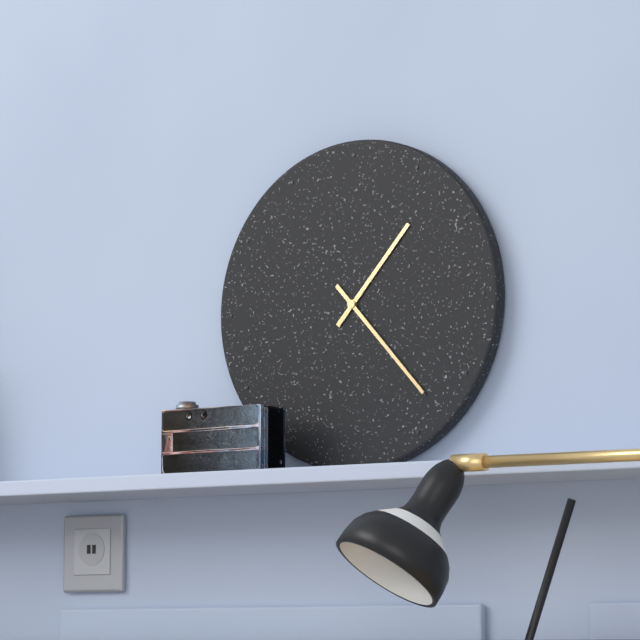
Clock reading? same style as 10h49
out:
1h23
